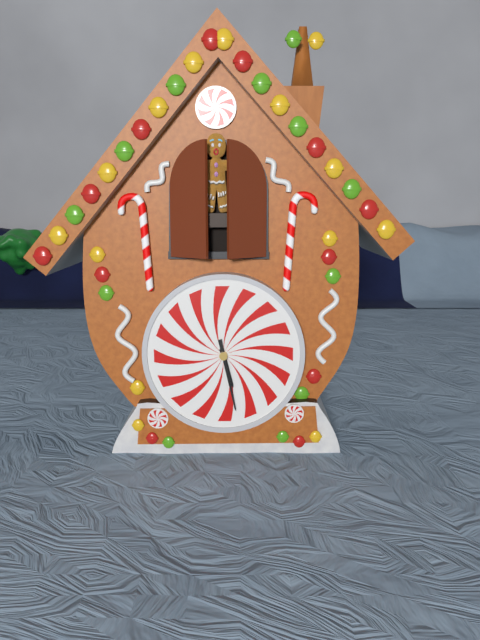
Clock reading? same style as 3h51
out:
5h28
